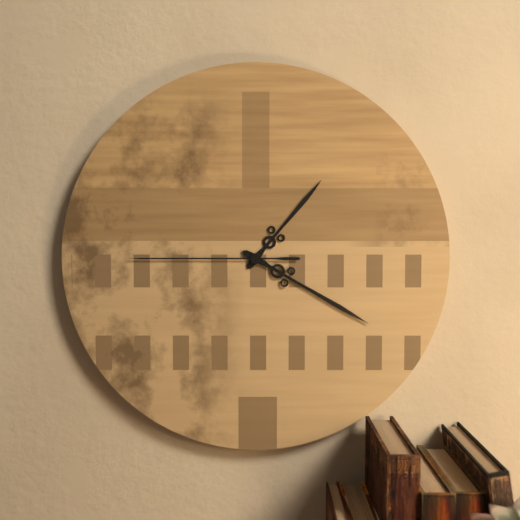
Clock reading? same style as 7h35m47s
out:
1h20m45s
